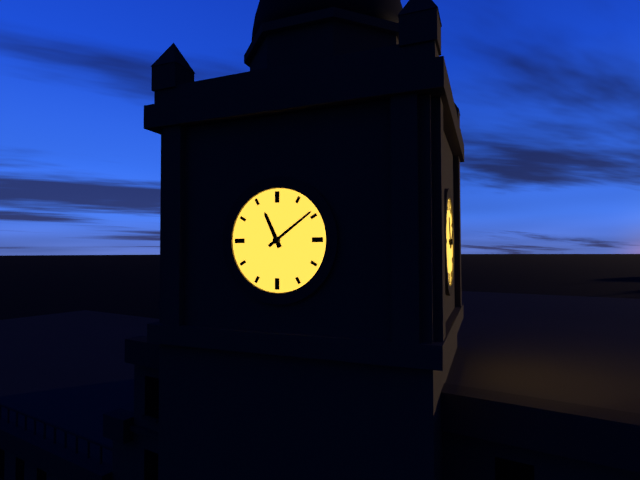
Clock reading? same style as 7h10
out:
11h09
